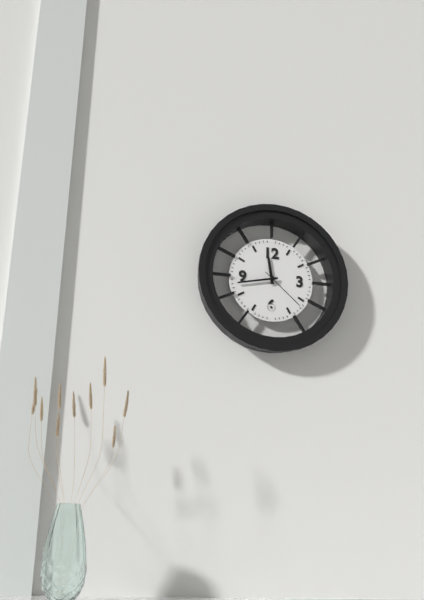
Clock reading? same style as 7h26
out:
11h43
